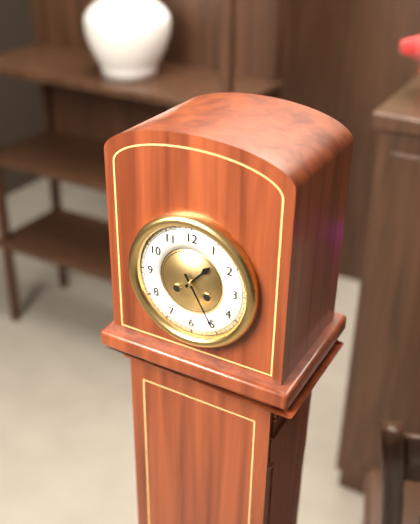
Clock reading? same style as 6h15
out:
1h25
